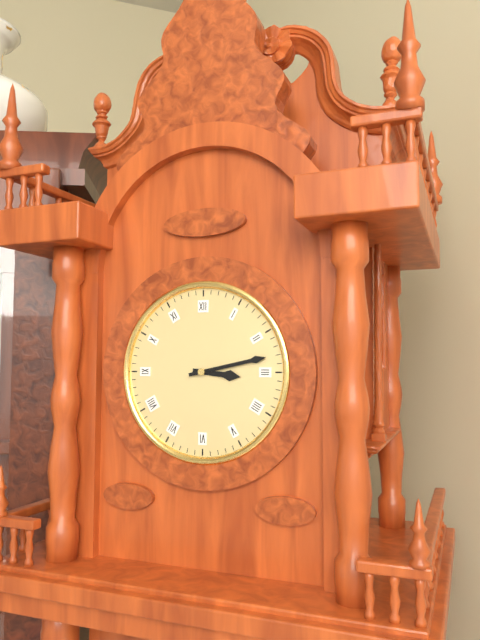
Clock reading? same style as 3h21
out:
3h13
